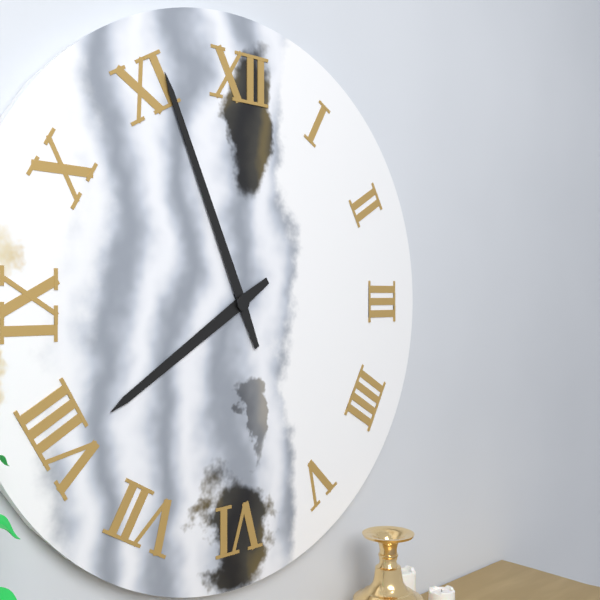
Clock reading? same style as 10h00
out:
7h56
